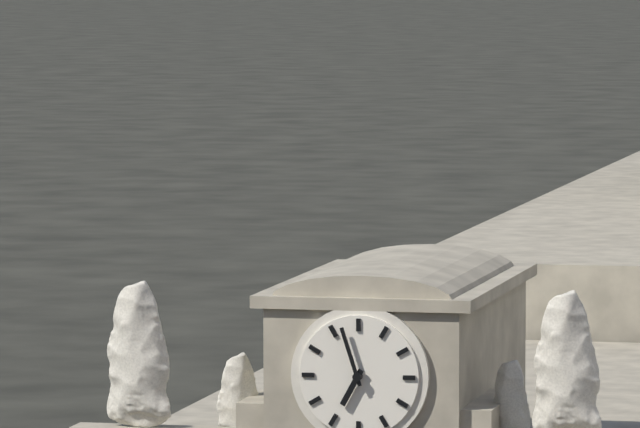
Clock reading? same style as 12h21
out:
6h57
